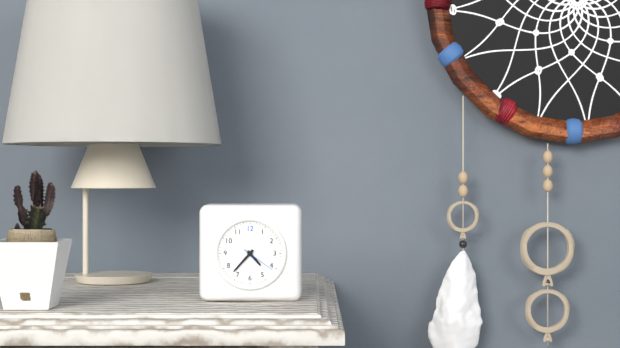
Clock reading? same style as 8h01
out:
4h37
